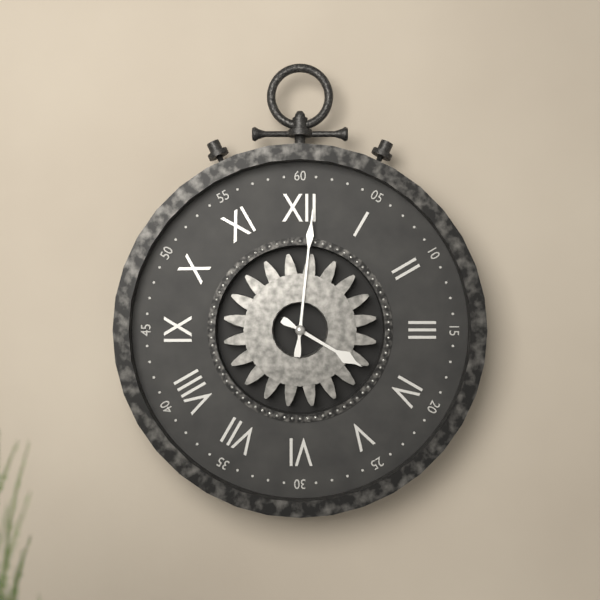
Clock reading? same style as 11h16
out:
4h01
